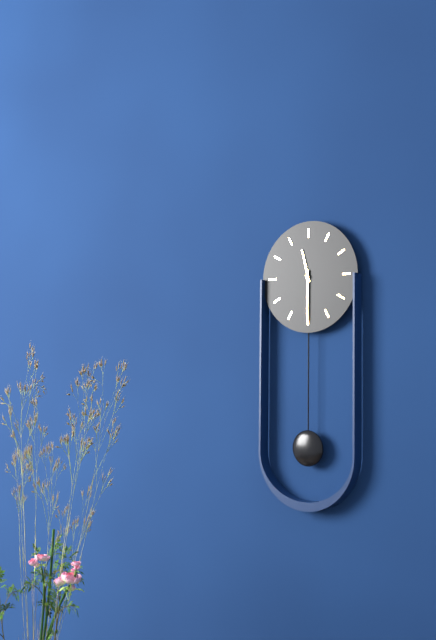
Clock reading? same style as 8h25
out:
11h30
